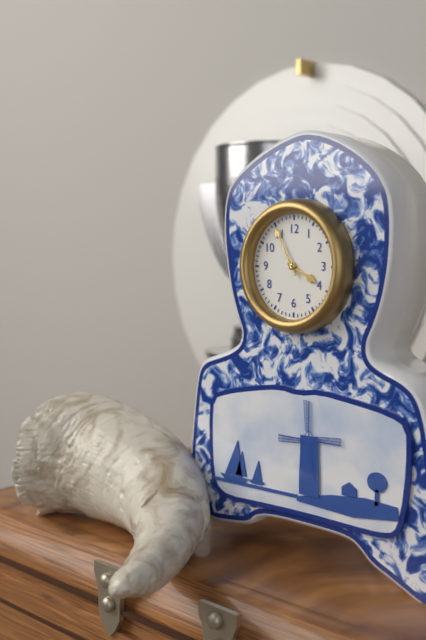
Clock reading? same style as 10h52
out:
3h55
